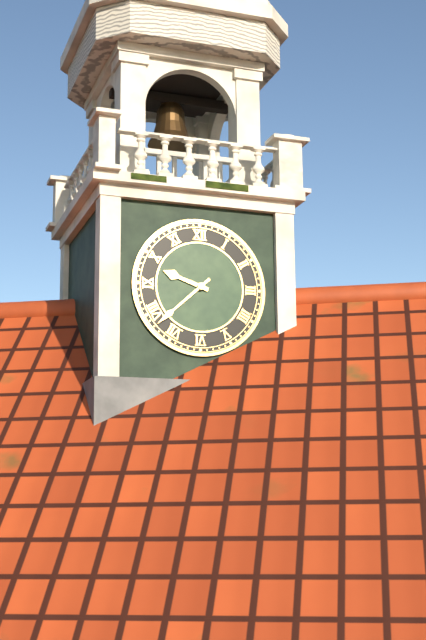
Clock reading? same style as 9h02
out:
9h38
